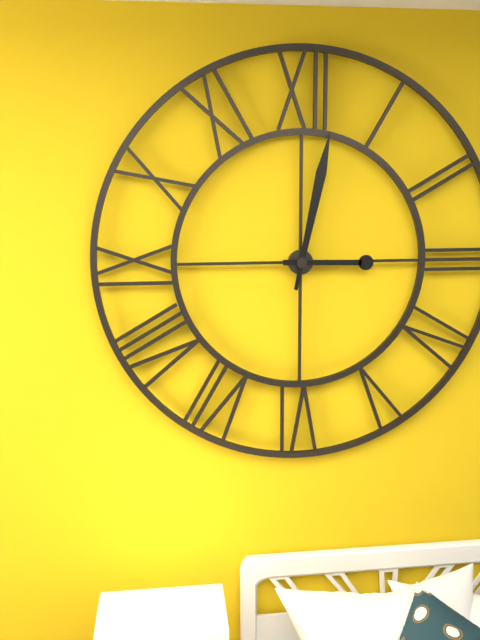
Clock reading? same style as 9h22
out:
3h02
